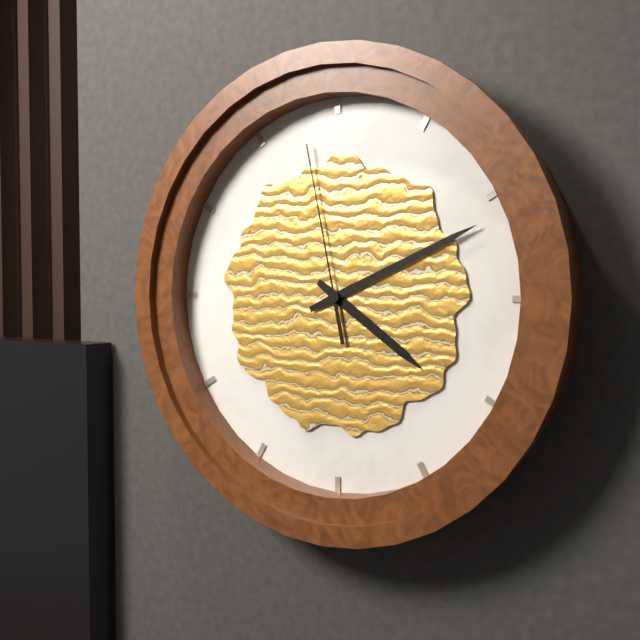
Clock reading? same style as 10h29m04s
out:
4h11m58s
